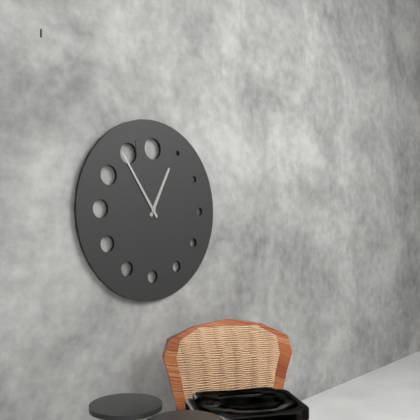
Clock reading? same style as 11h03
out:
12h54
